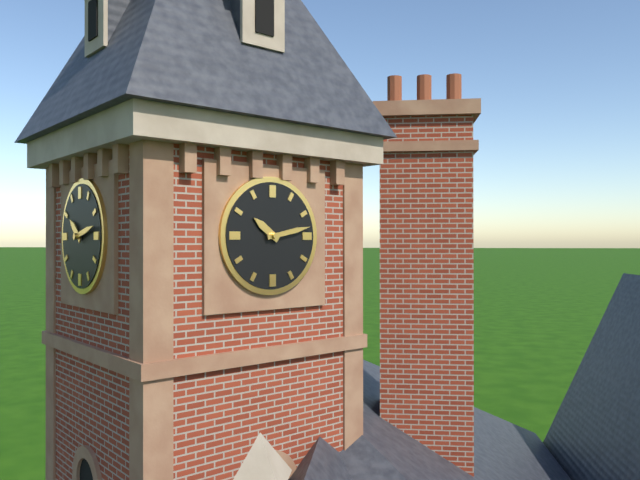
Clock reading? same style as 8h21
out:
10h13
